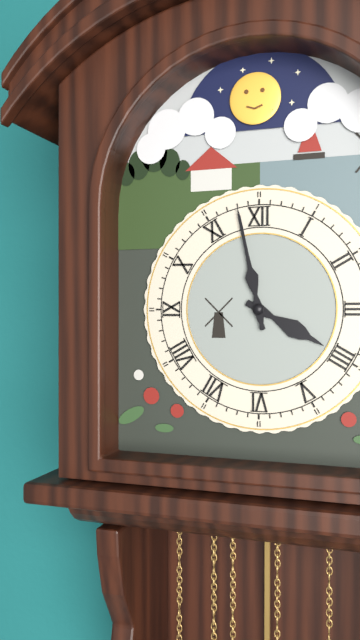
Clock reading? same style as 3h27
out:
3h58
